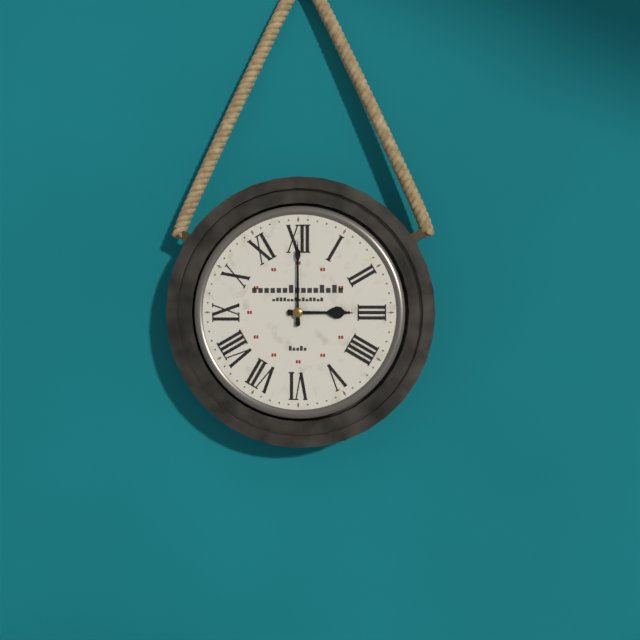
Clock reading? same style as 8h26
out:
3h00
